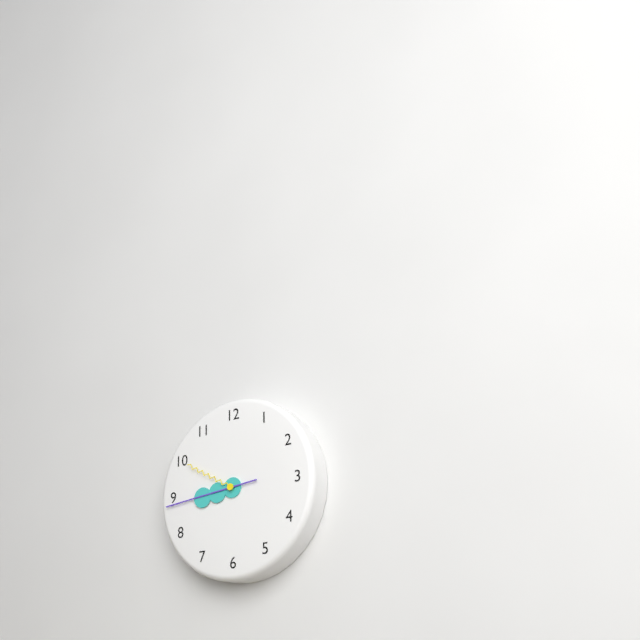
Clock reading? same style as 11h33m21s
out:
8h44m50s
